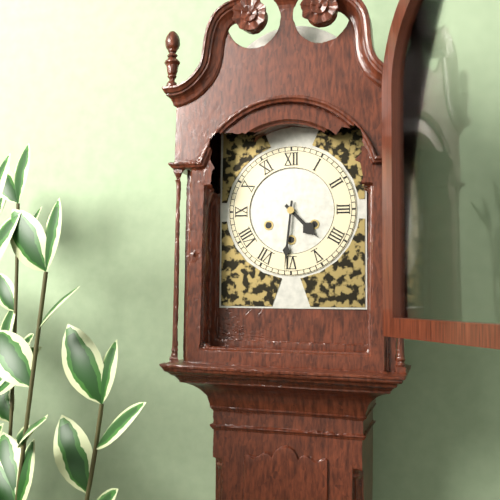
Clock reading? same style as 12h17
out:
4h31
